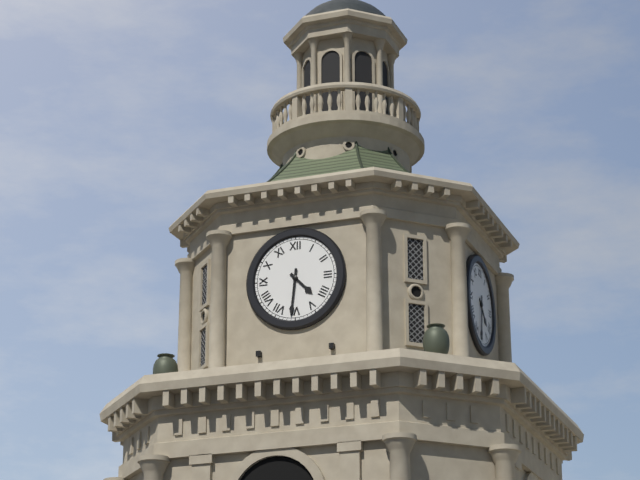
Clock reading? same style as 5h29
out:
4h31
